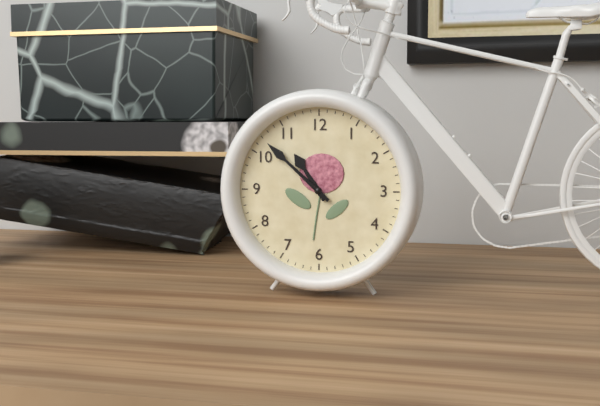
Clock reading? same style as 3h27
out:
10h52
